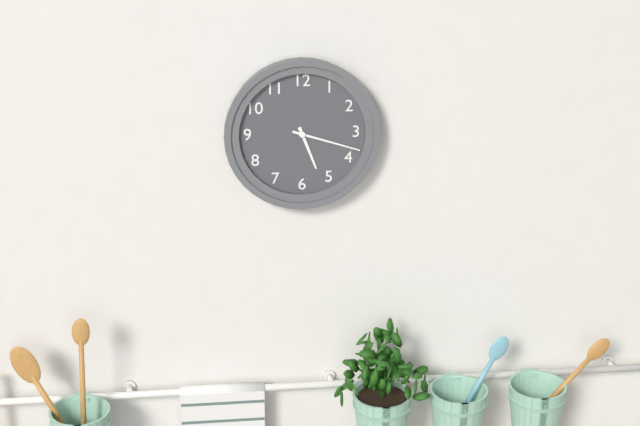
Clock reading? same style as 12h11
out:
5h18
